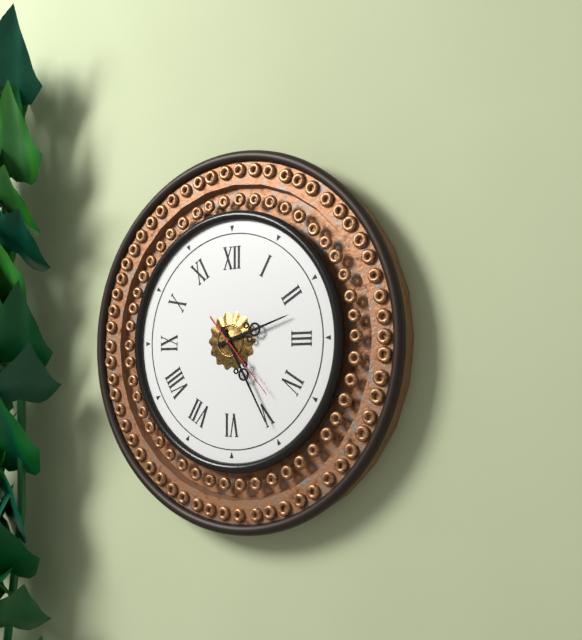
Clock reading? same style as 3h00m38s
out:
2h25m23s
